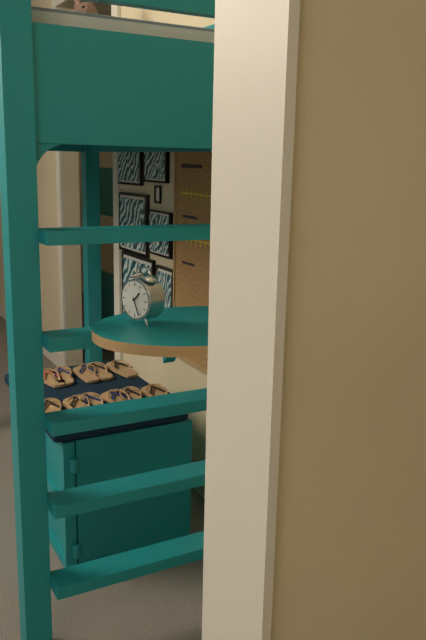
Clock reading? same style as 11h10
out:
1h26
